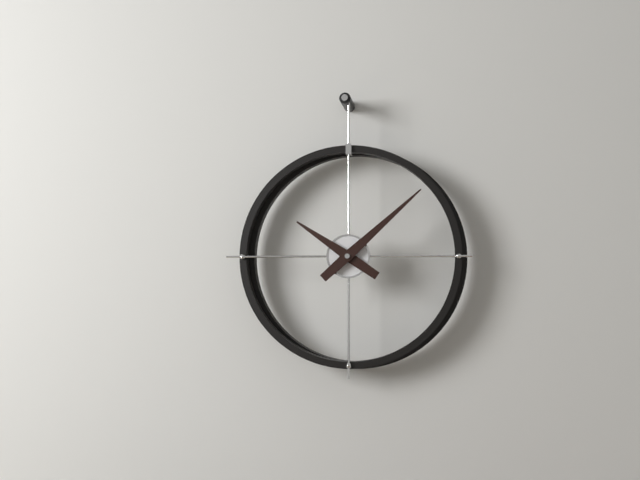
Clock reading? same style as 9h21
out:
10h08
